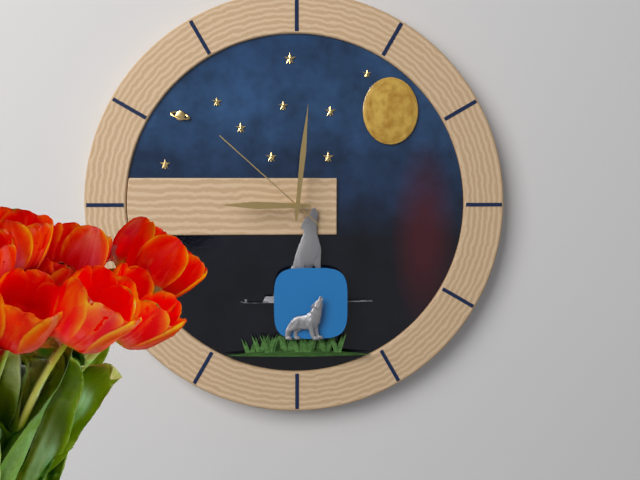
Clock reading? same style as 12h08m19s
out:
9h01m52s
